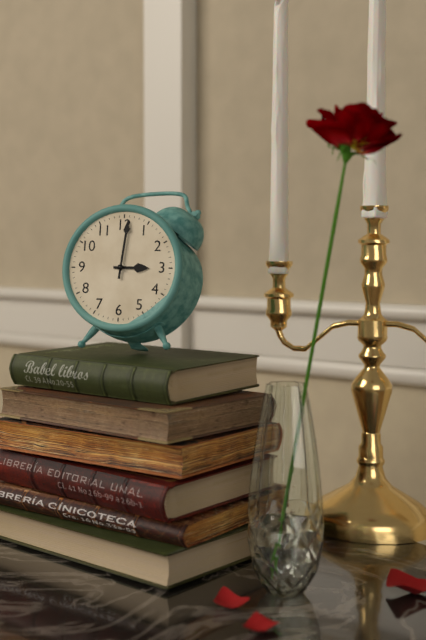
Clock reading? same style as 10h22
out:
3h01
